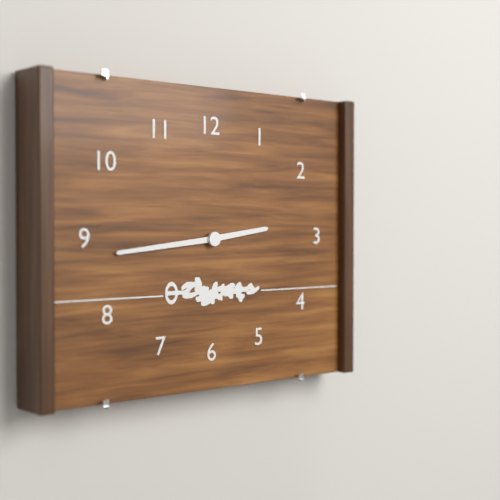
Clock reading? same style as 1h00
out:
2h44
